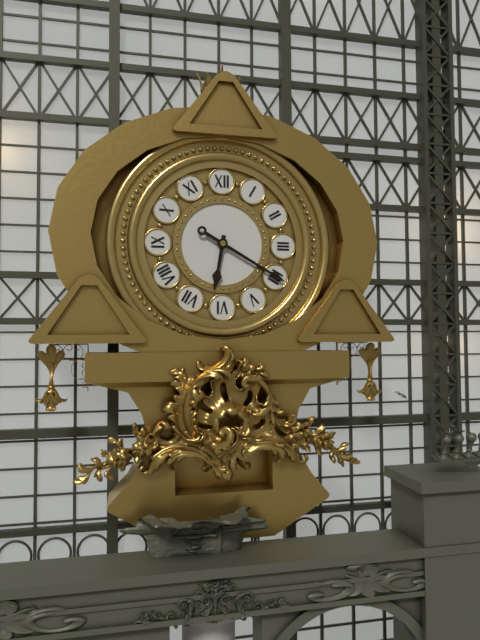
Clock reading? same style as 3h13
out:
6h20
